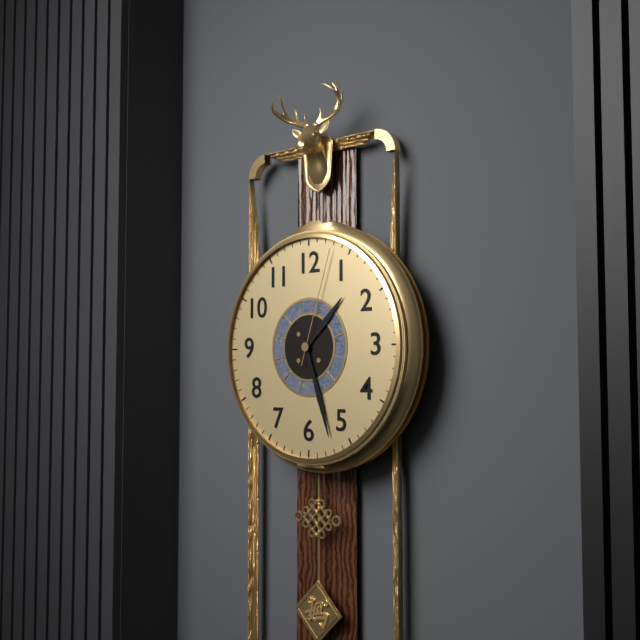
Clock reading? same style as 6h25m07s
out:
1h27m03s
